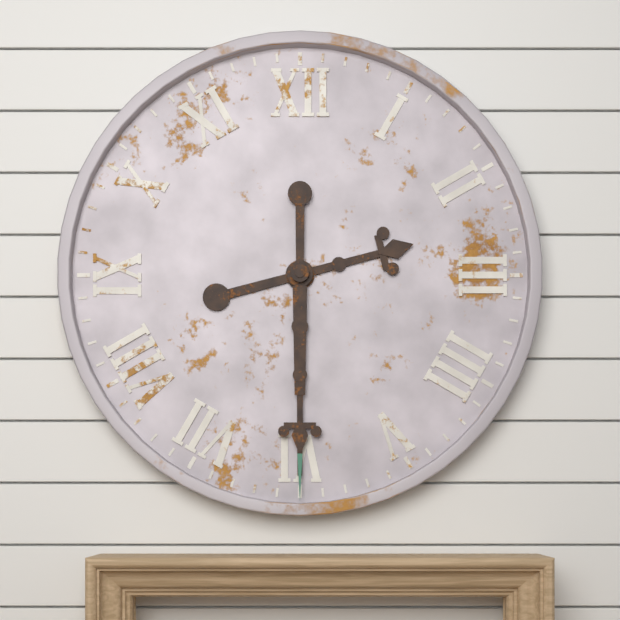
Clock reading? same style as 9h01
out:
2h30
